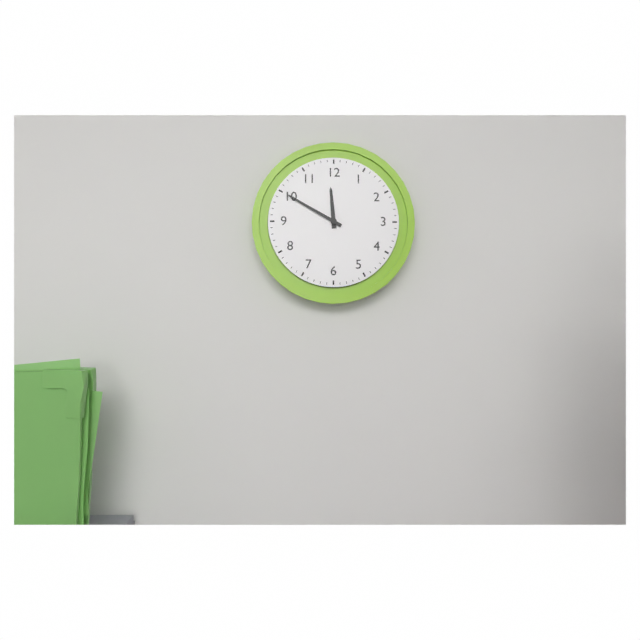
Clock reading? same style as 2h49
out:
11h50
